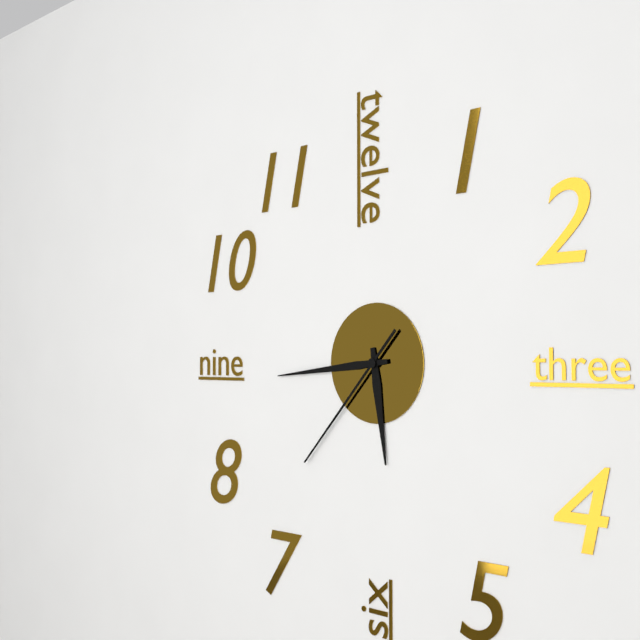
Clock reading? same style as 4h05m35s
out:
5h44m37s
